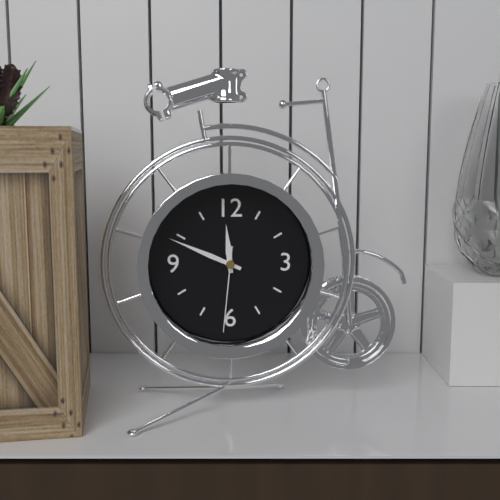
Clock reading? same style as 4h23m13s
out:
11h49m31s
